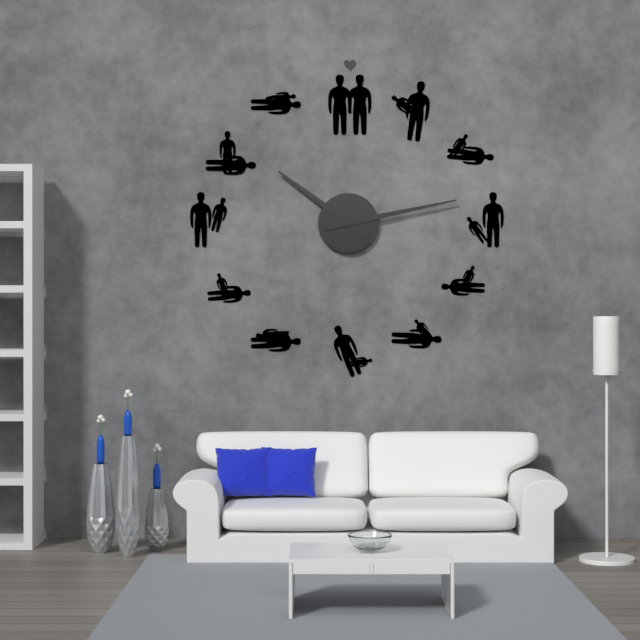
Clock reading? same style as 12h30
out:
10h13
